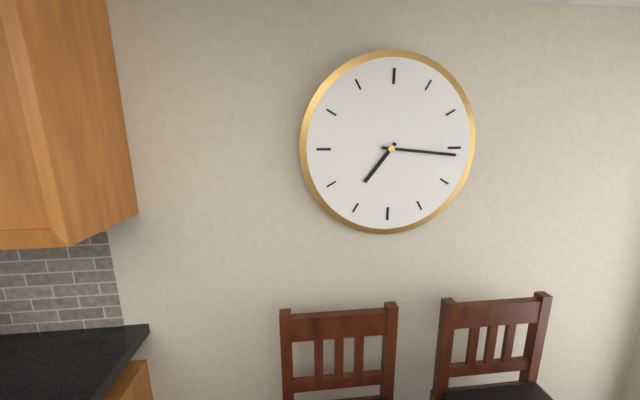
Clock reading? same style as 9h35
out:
7h16
